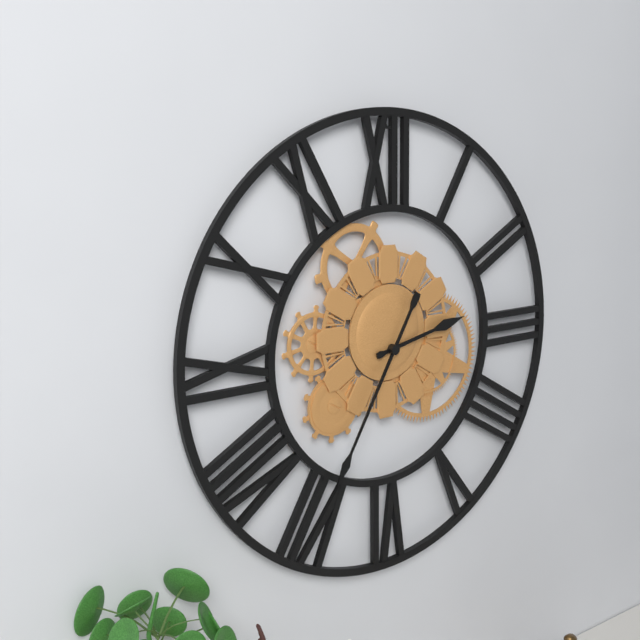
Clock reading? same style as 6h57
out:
2h35
